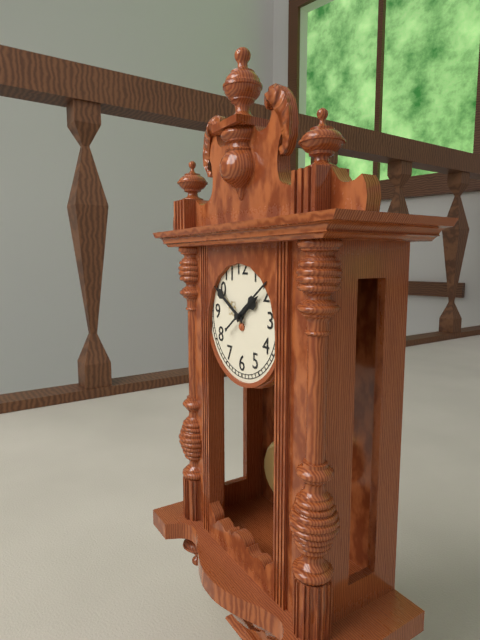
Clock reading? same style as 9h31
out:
1h50
